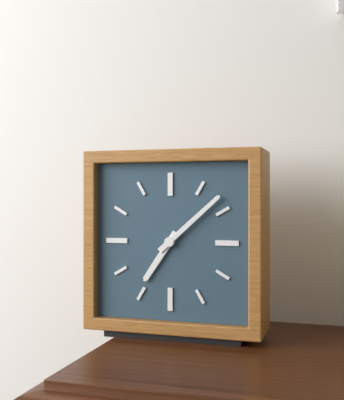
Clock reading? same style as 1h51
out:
7h08
